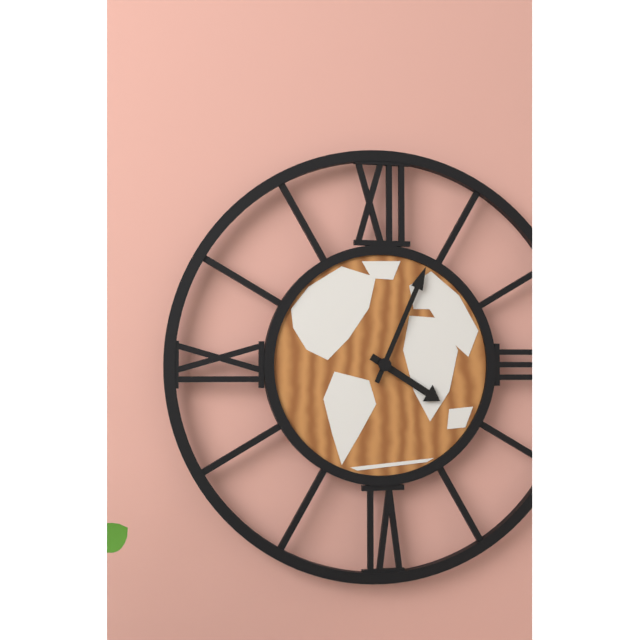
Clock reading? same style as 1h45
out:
4h04
